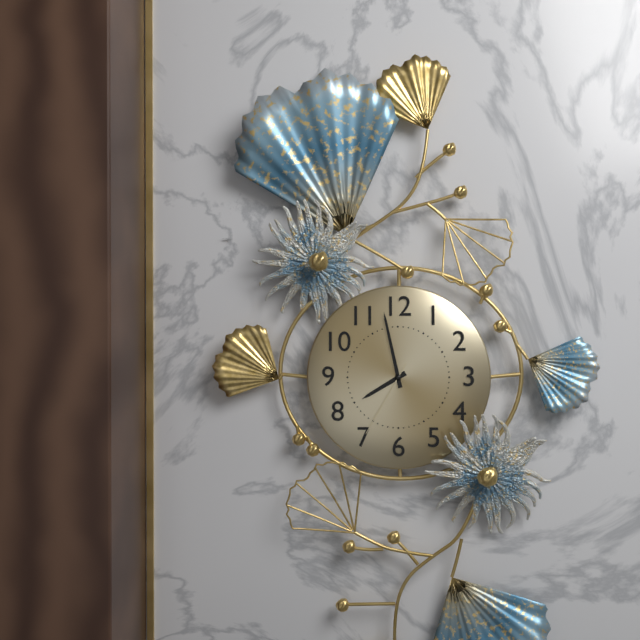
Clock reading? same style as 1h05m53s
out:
7h58m35s
